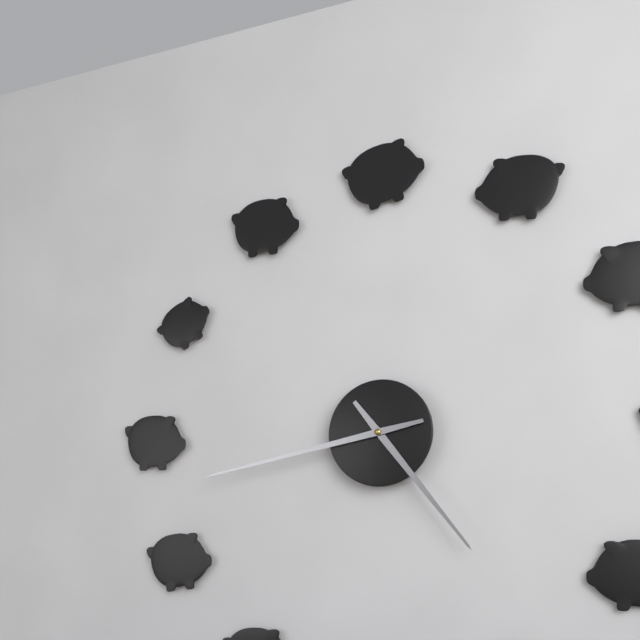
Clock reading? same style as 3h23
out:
4h43
